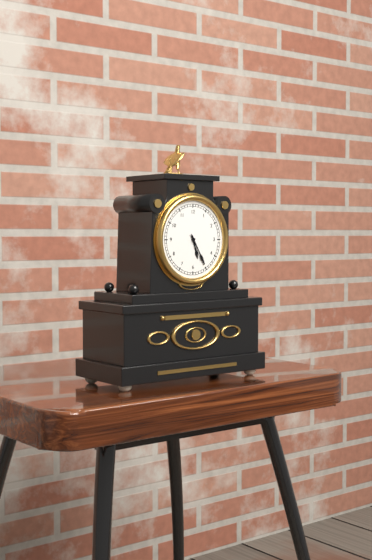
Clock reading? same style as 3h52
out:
5h25
